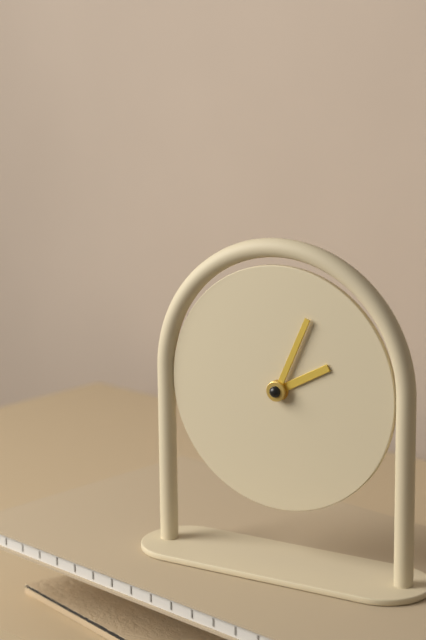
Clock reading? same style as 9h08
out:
2h04
